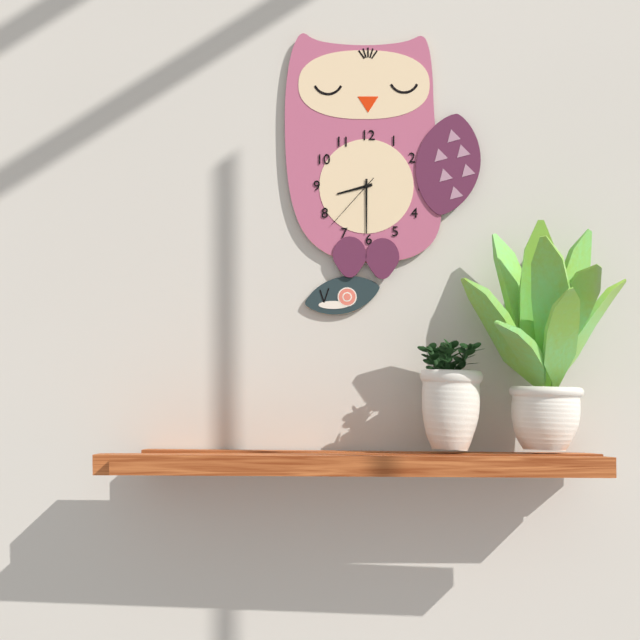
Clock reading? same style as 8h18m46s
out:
8h30m37s
